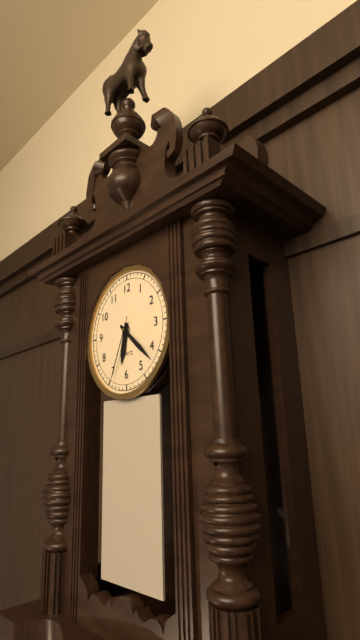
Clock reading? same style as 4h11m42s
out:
6h22m34s
